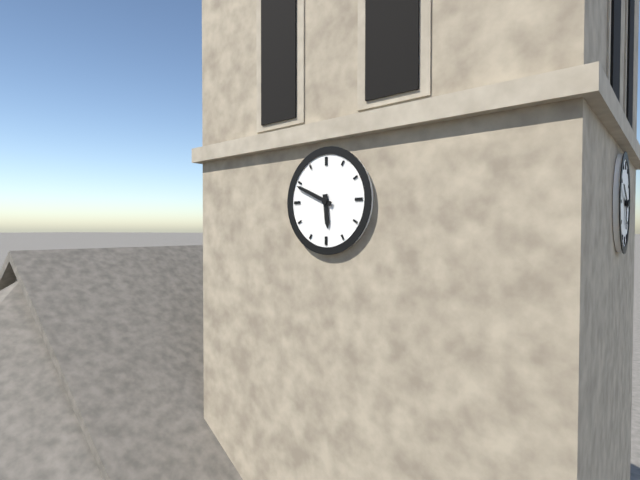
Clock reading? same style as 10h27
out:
5h49
